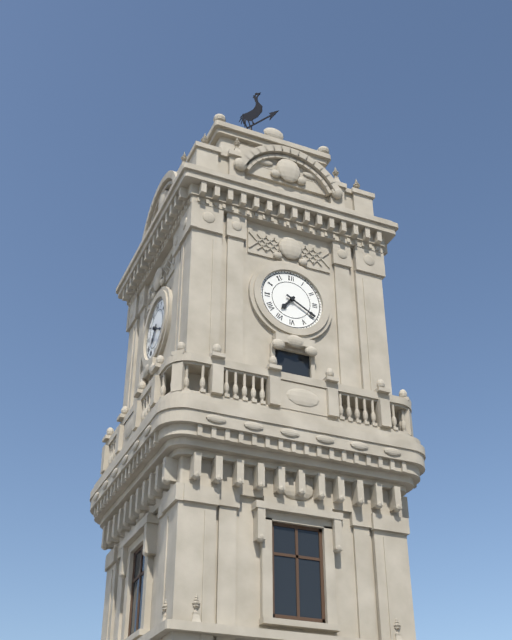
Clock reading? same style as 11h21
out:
7h20
